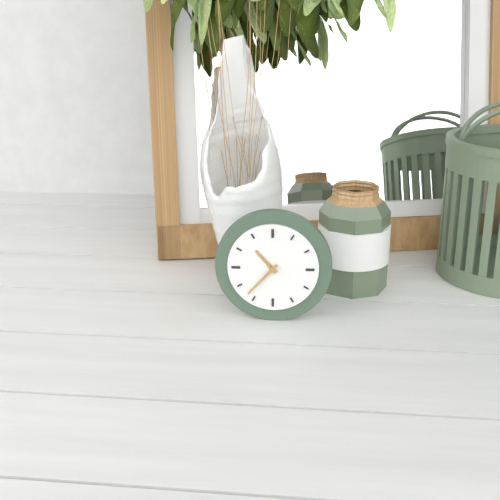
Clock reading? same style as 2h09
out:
10h37
